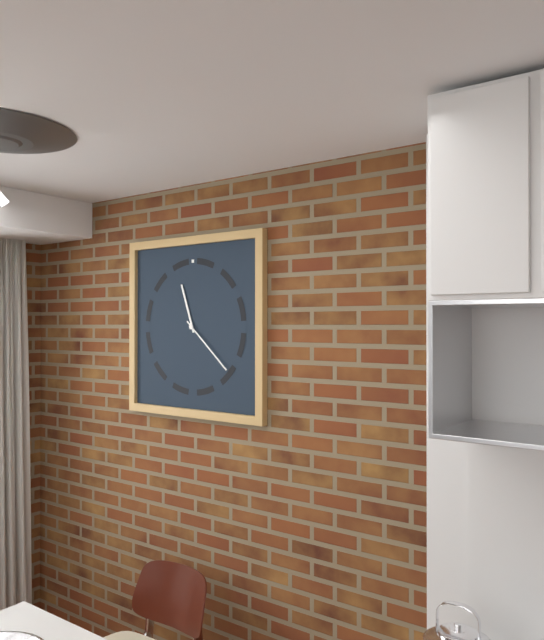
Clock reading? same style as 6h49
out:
11h22
